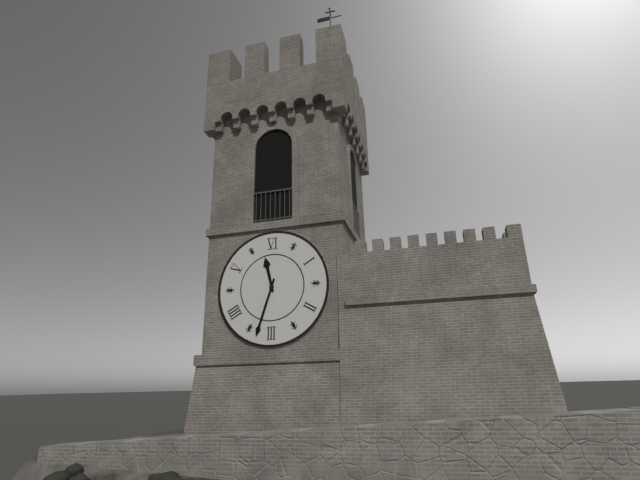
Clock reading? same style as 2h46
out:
11h33
